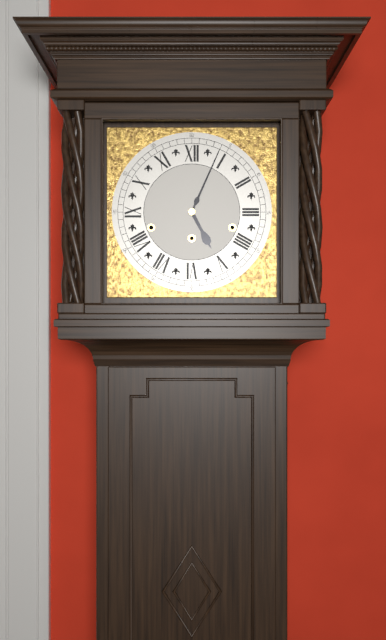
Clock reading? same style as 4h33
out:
5h04
